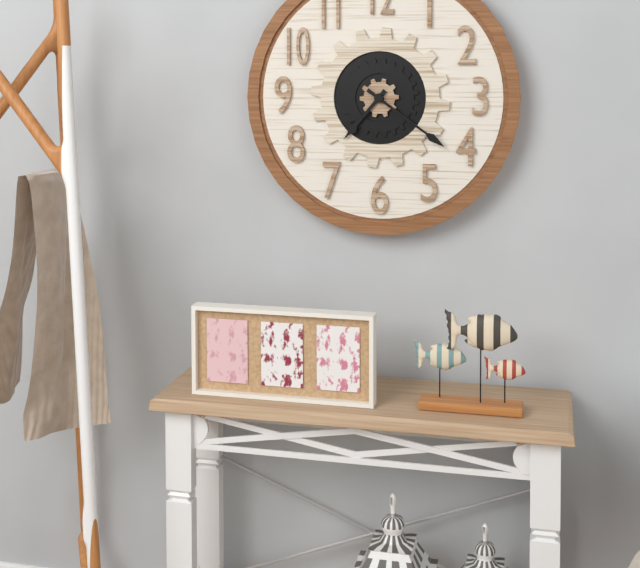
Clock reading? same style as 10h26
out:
7h21
